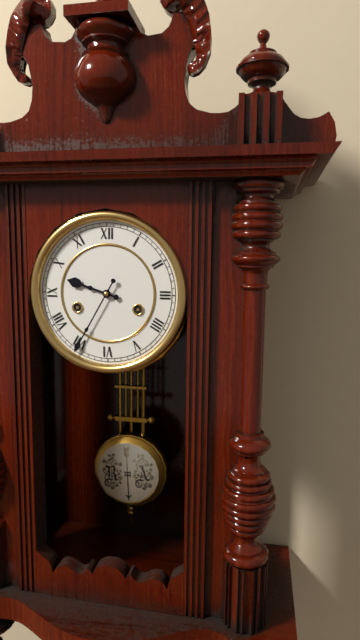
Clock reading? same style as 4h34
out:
9h35
